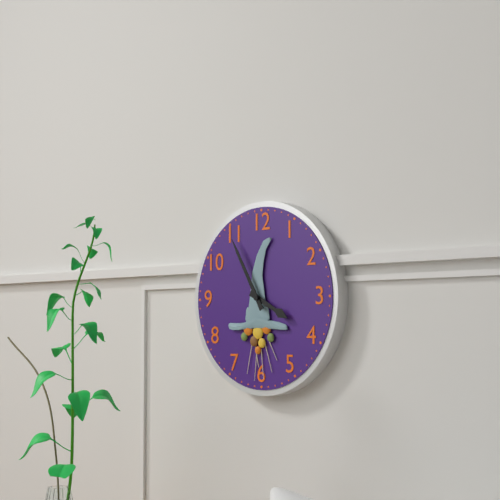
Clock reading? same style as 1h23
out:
3h55
